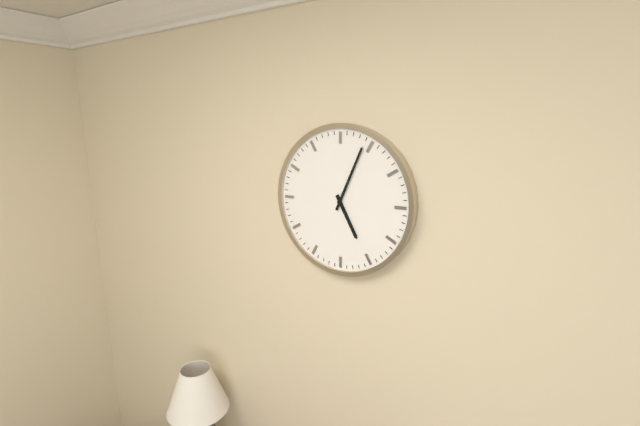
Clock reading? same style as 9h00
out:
5h04
